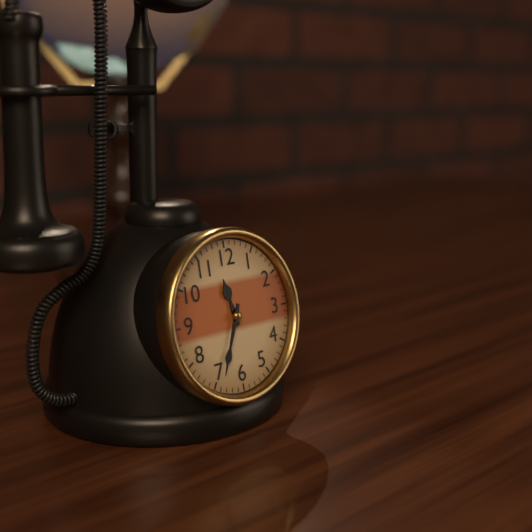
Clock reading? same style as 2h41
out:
11h34
